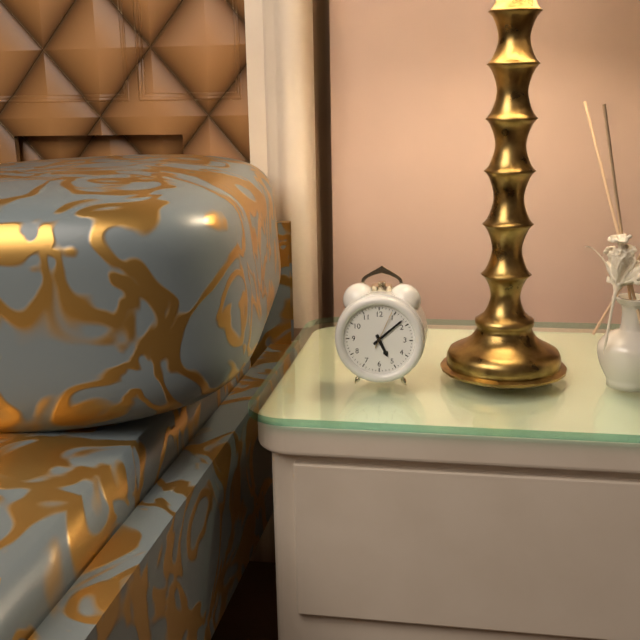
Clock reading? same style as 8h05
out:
5h08
